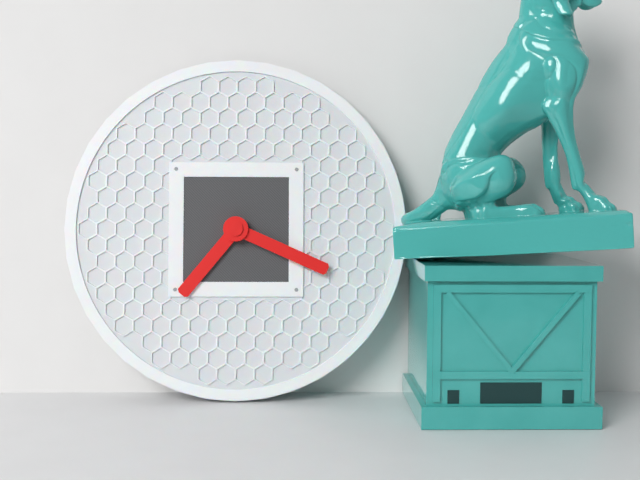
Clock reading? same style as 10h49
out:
7h19
